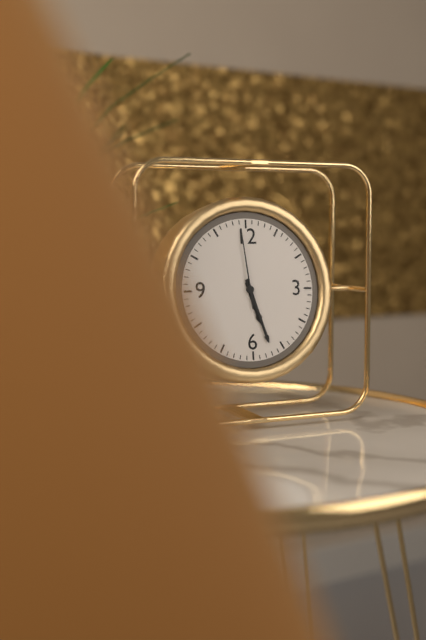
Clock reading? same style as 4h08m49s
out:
5h27m59s
